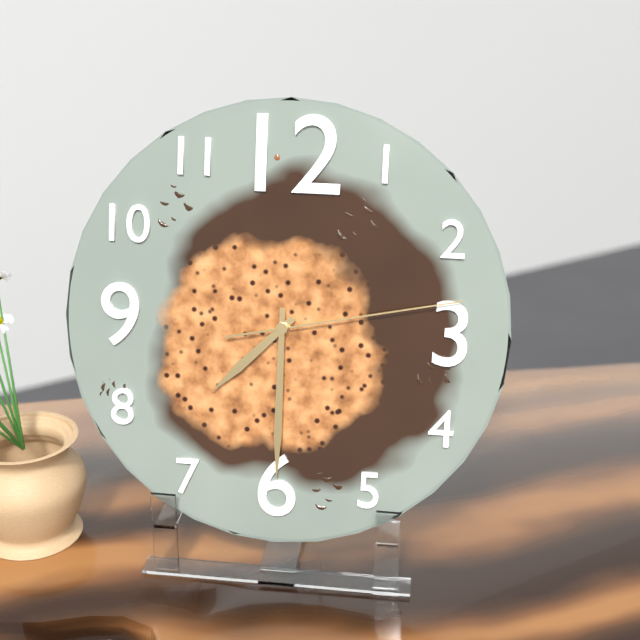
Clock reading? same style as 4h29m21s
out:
7h30m13s
